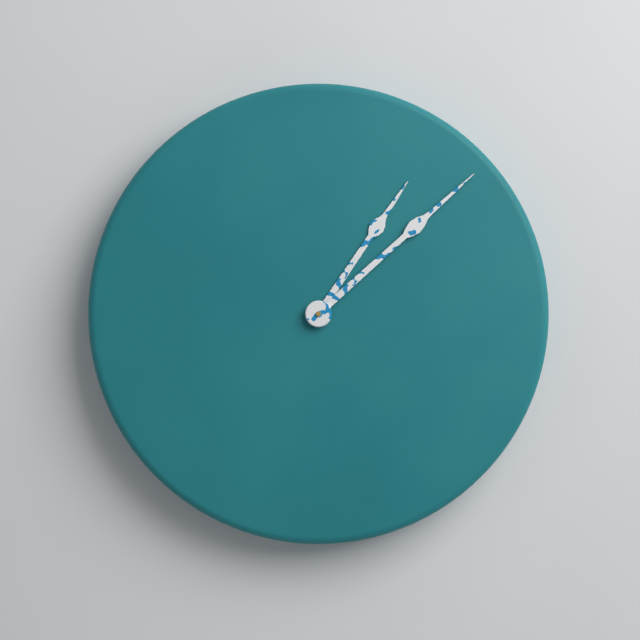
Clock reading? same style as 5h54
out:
1h08
